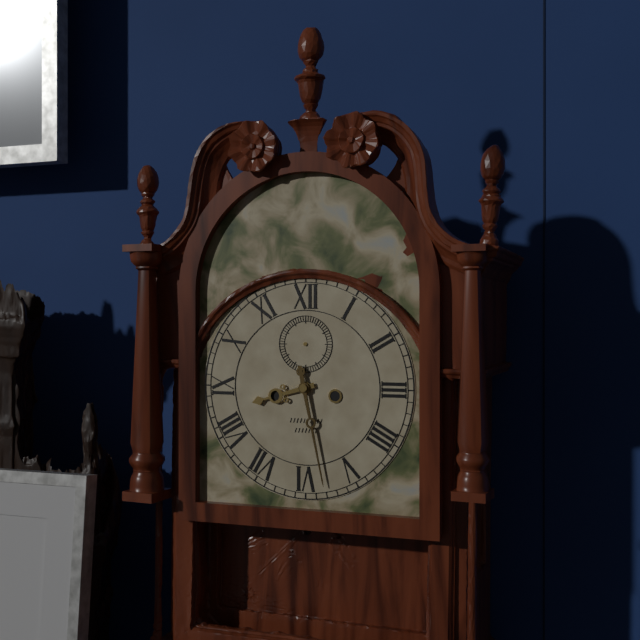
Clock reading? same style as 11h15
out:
8h28
